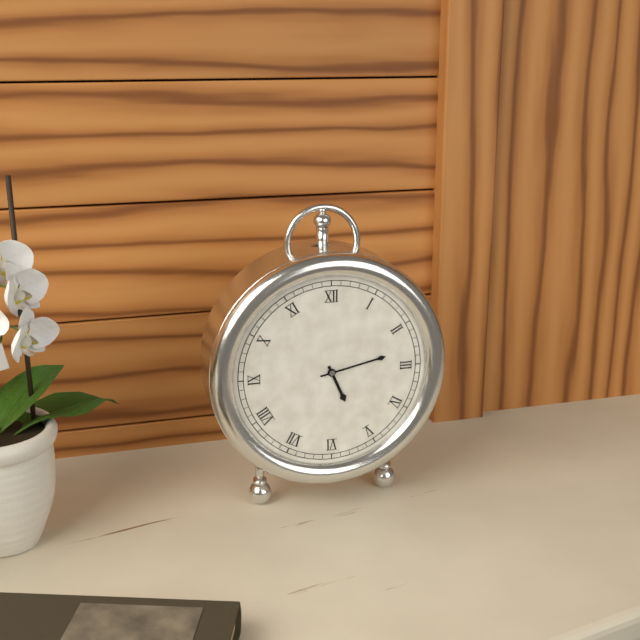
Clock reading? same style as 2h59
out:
5h13
